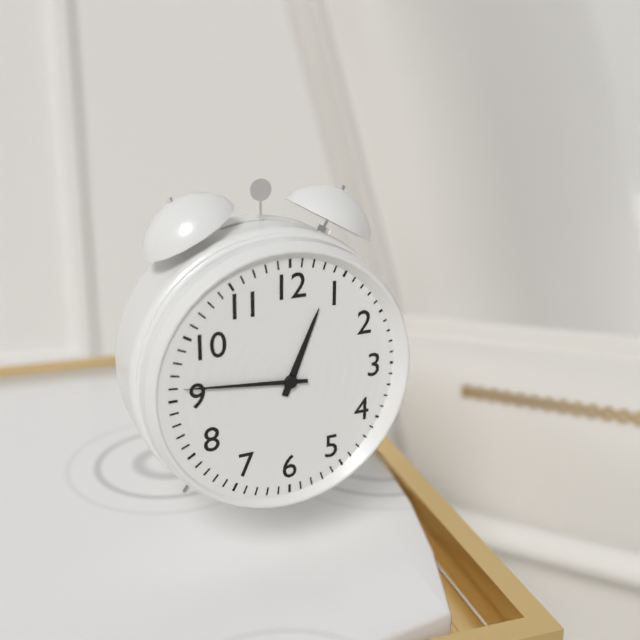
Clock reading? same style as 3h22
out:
12h46
